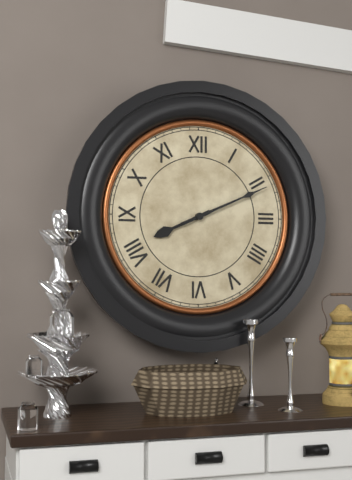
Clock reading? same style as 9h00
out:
8h11
